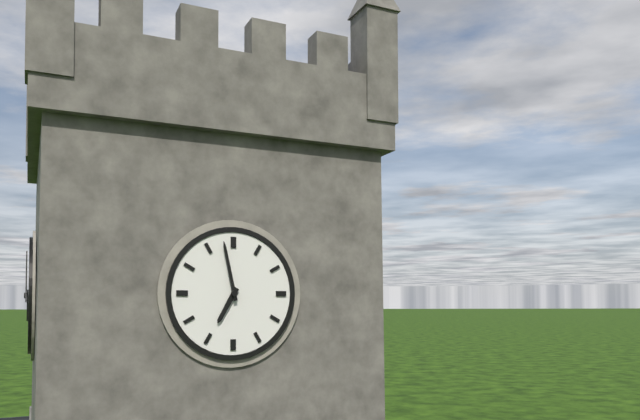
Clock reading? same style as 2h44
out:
6h58
